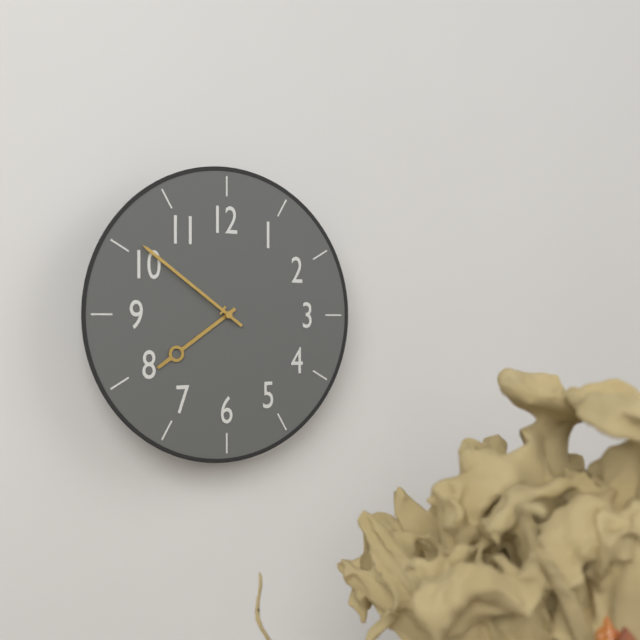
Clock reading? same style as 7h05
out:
7h51
